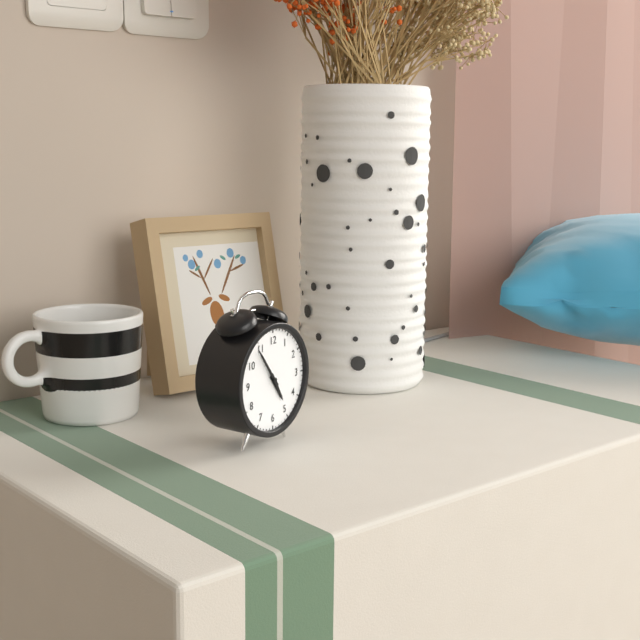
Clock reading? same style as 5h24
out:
4h54
